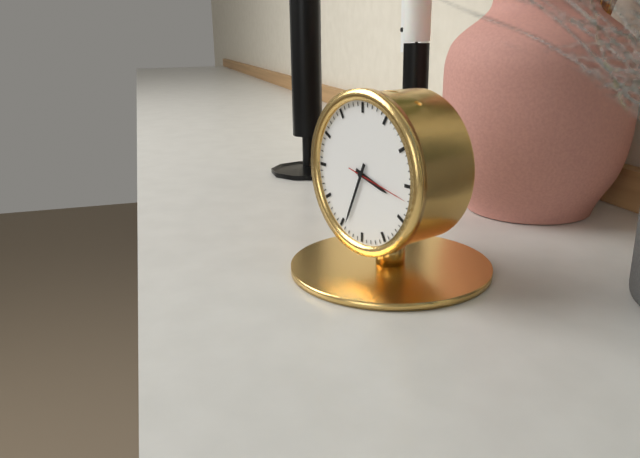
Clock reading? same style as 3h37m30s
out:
3h34m17s
